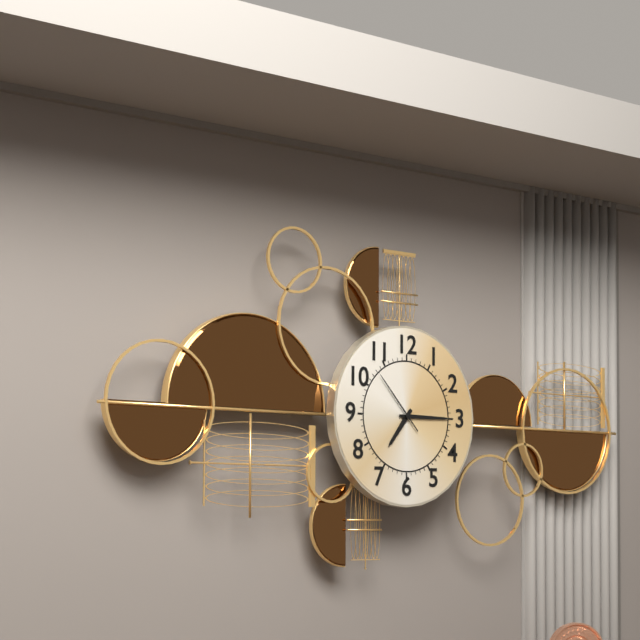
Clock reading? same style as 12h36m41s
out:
7h15m53s
